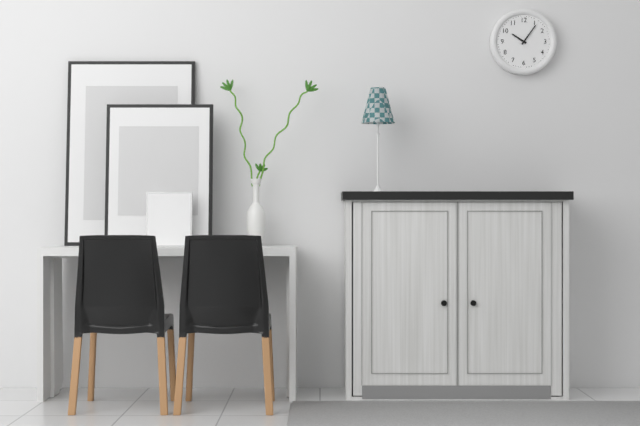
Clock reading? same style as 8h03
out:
10h06
